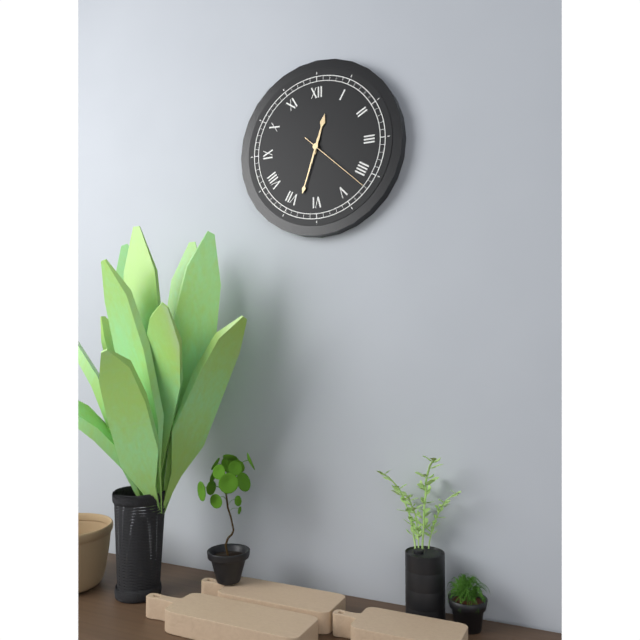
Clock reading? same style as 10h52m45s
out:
12h33m22s
